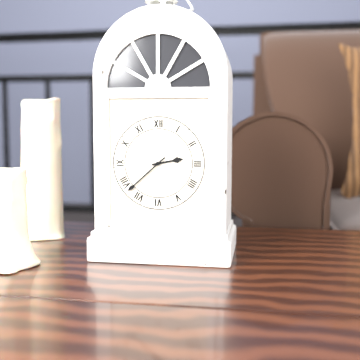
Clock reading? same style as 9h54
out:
2h38
